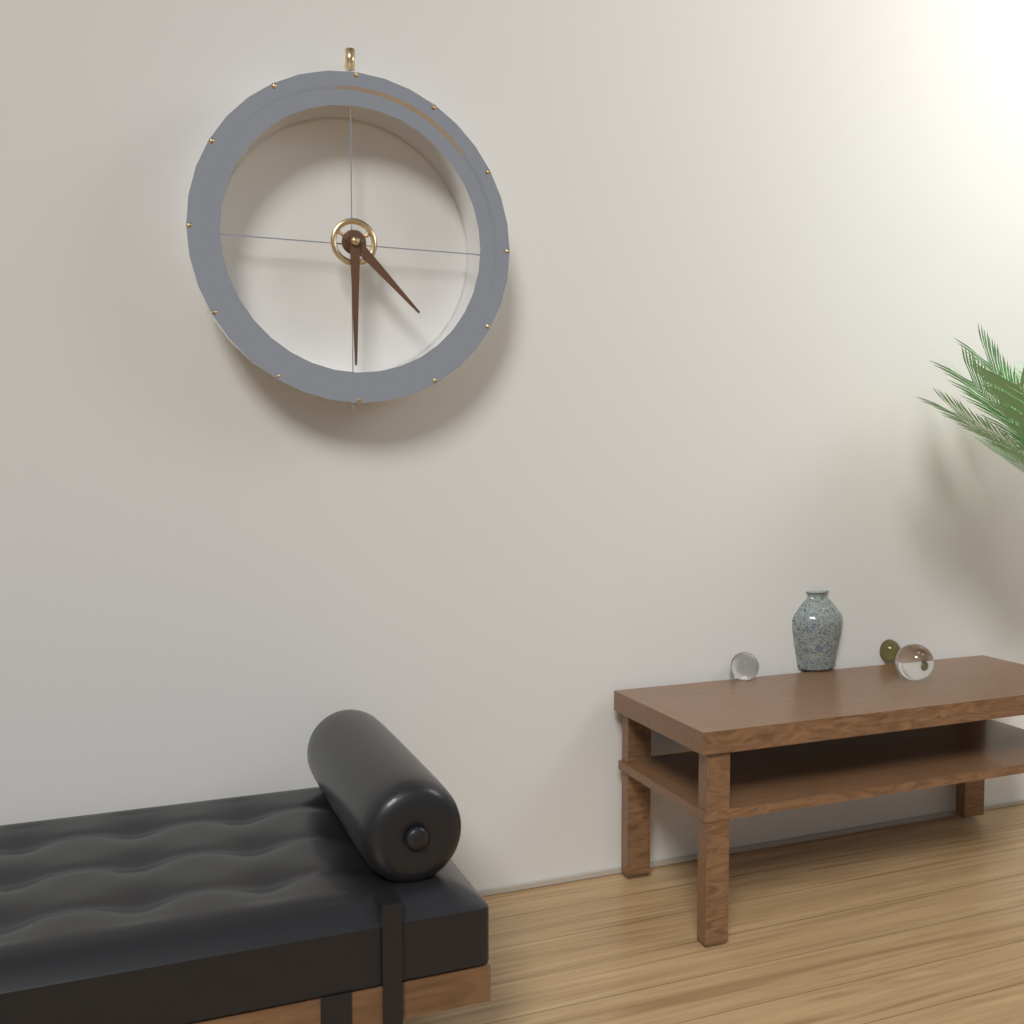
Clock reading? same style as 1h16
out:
4h30
